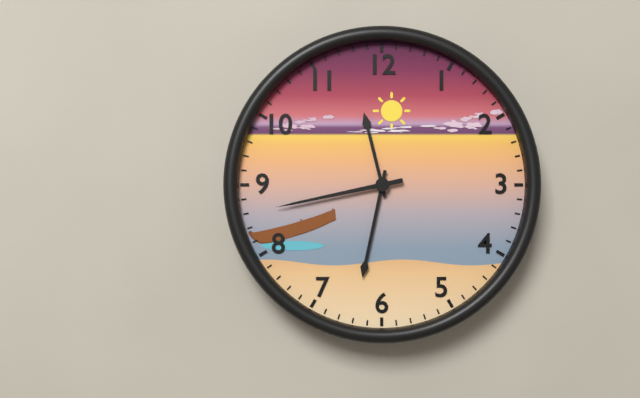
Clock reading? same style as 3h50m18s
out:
11h32m43s
